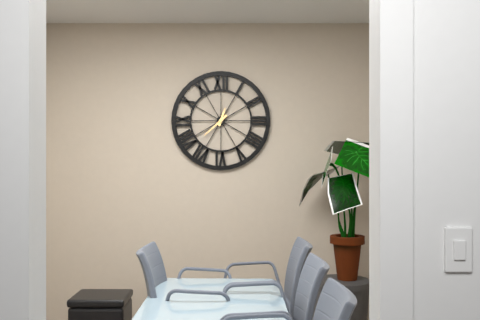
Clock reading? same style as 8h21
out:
12h38
